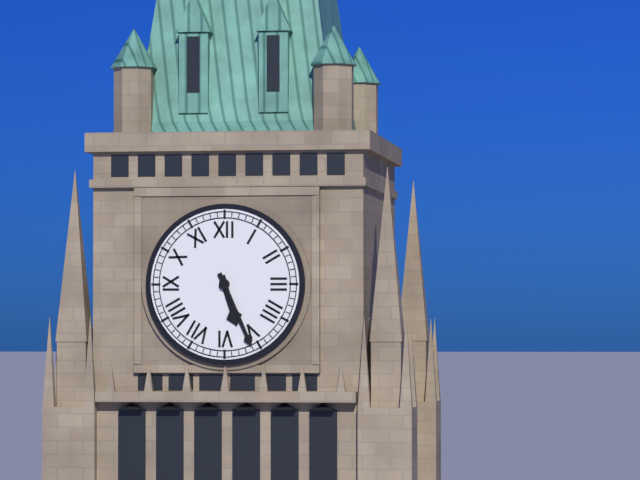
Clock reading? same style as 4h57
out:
5h26
